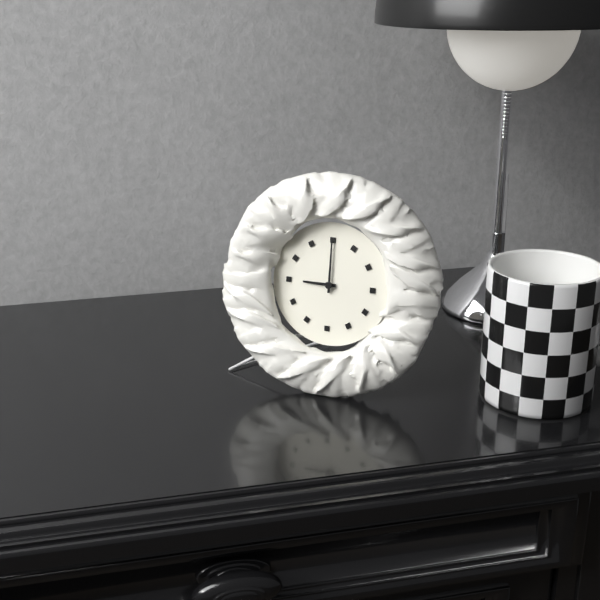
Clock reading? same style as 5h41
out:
9h00
